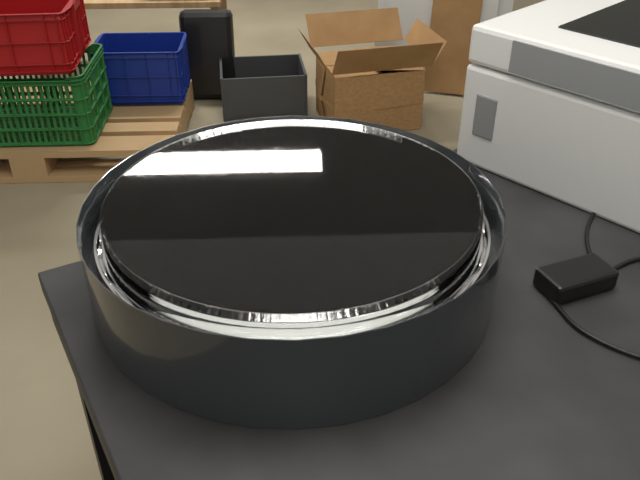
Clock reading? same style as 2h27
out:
11h12
